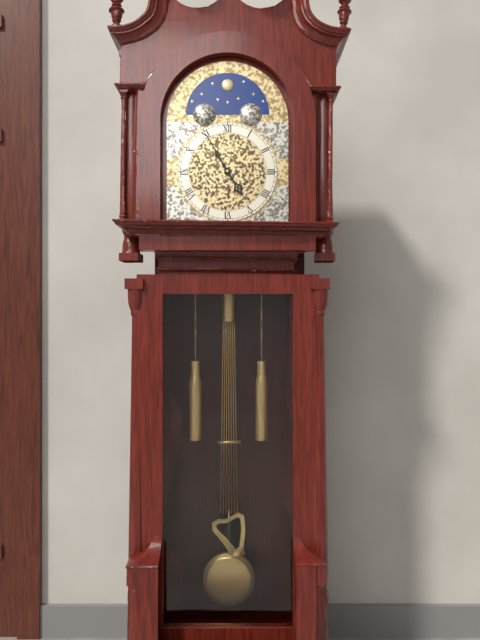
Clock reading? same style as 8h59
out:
4h55
